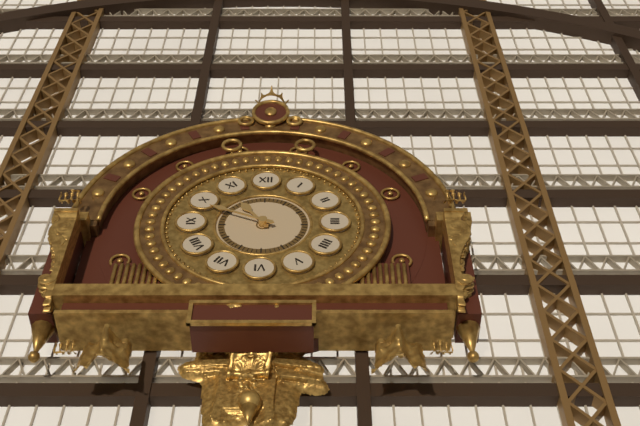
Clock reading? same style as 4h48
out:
10h49
